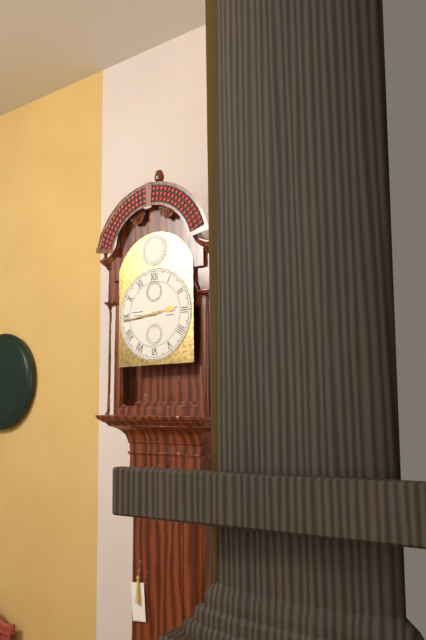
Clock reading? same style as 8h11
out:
2h44
